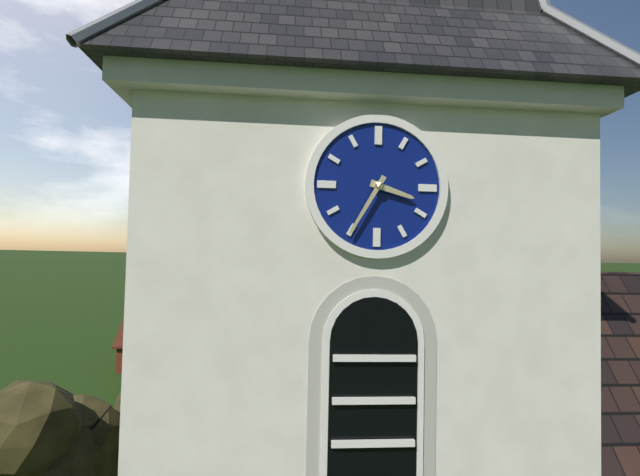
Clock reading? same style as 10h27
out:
3h35
